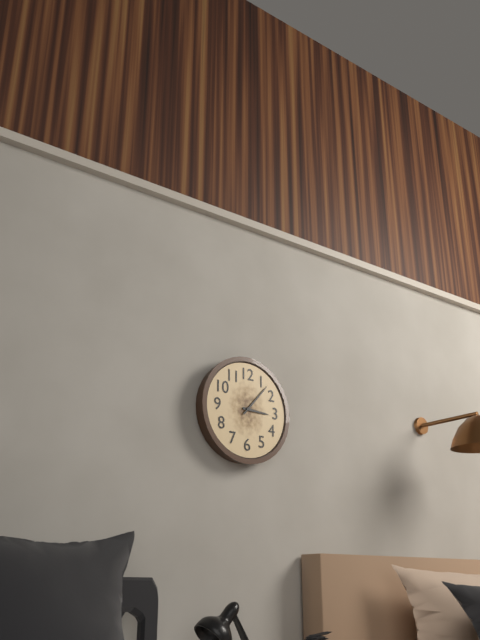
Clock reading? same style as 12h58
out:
3h07
